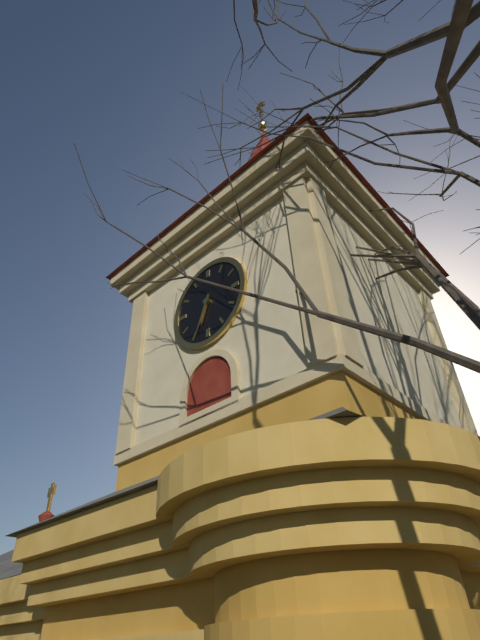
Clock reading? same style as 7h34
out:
6h34
